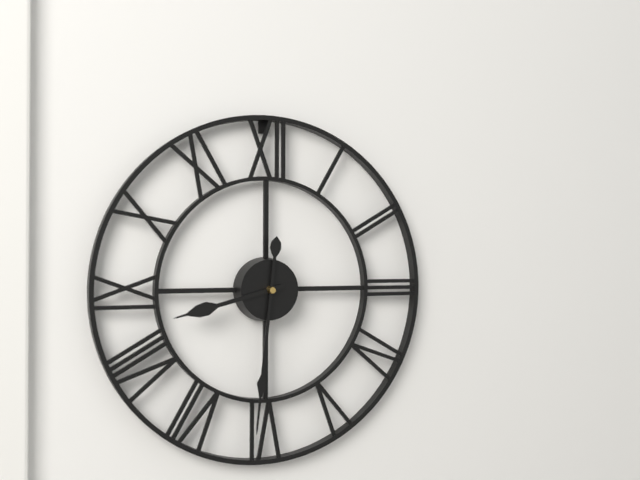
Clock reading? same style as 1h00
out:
8h31
